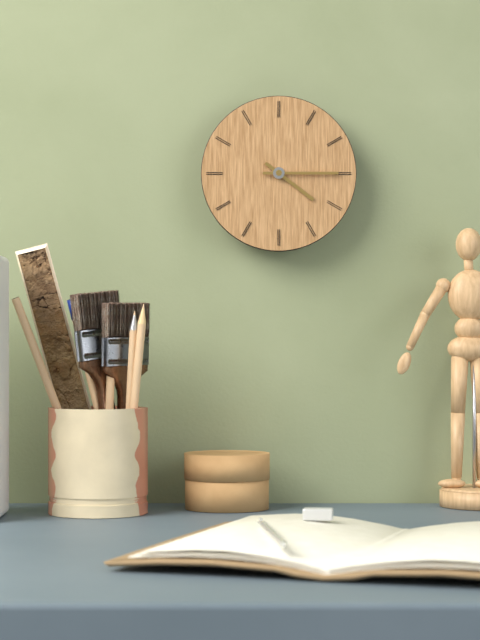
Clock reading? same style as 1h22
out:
4h15
